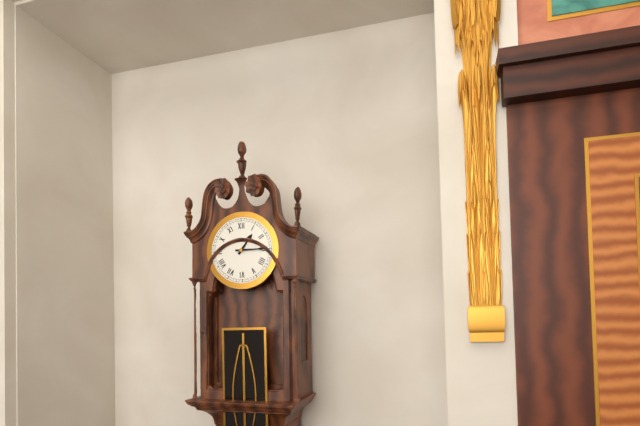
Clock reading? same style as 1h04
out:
1h15
